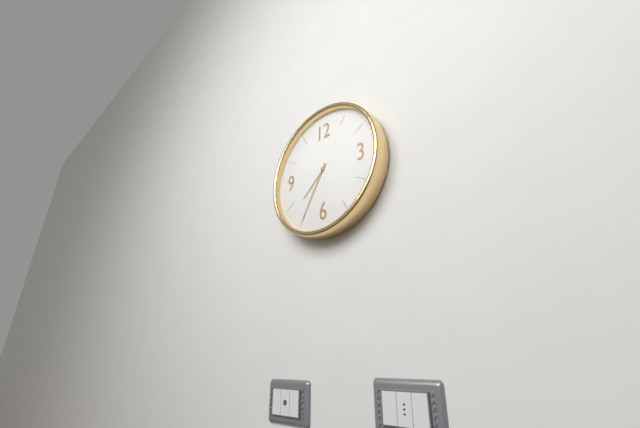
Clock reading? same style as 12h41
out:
7h35
